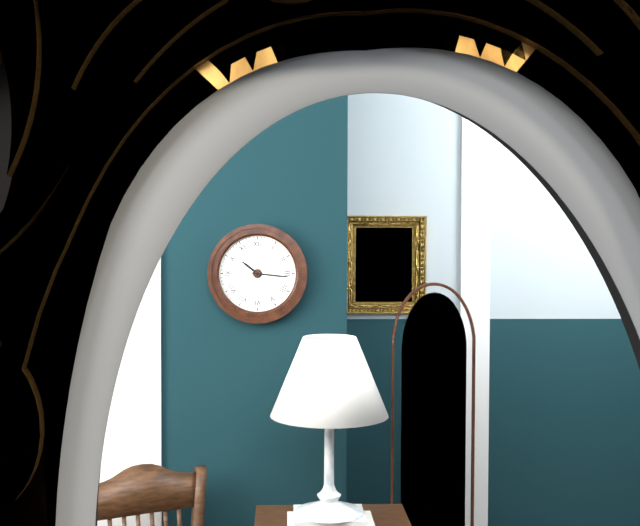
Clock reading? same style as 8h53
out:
10h16
